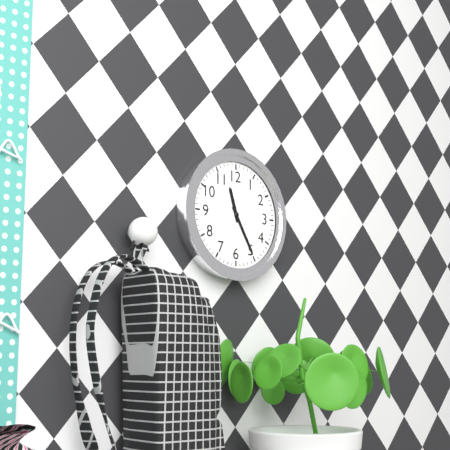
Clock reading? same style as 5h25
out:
11h25
